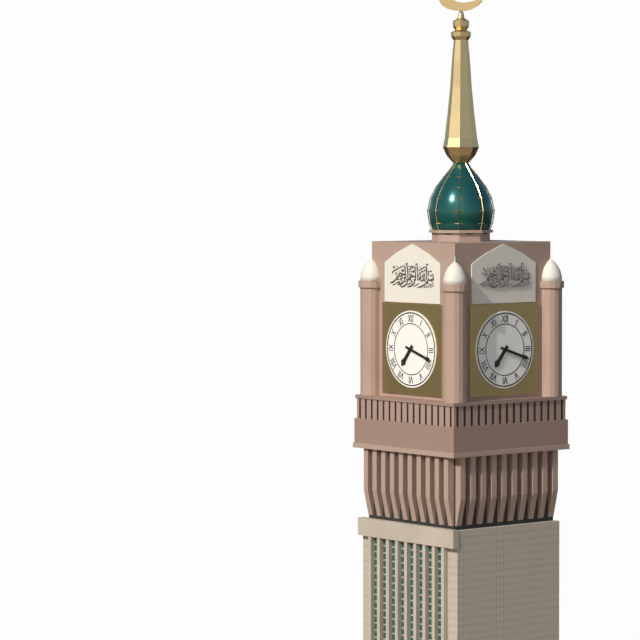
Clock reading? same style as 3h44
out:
7h18
